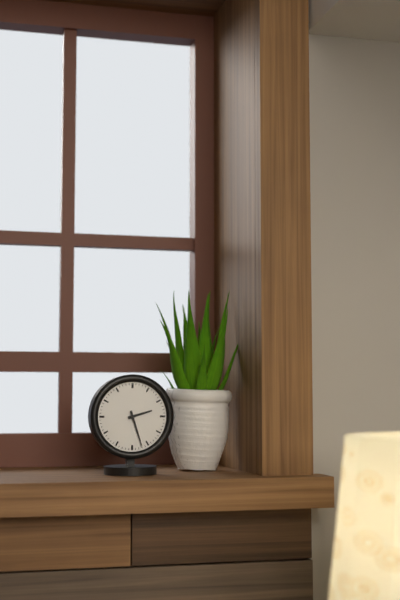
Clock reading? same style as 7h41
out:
2h27
